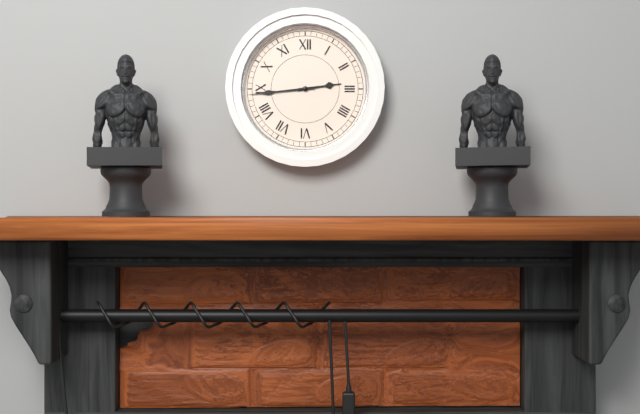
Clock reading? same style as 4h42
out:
2h44
